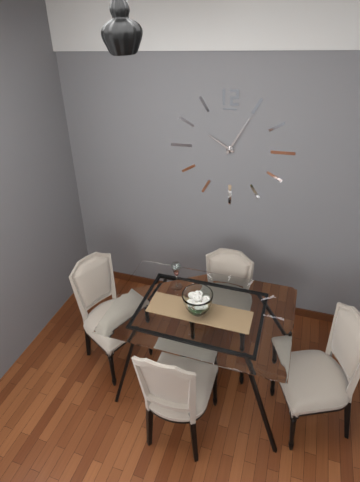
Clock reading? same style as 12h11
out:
10h05
